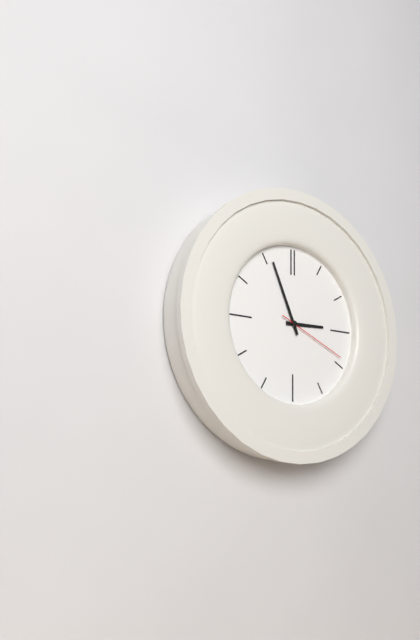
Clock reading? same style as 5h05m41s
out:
2h56m19s
